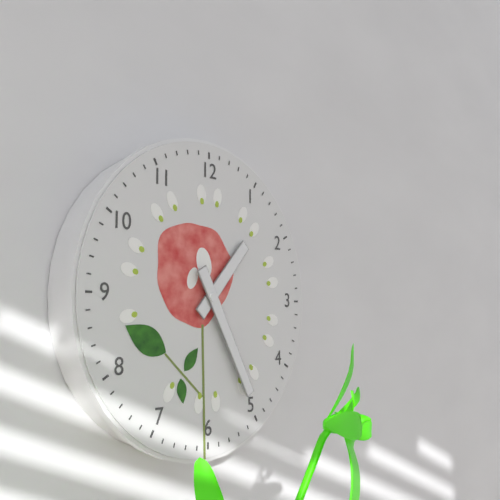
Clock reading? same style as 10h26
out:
1h25
